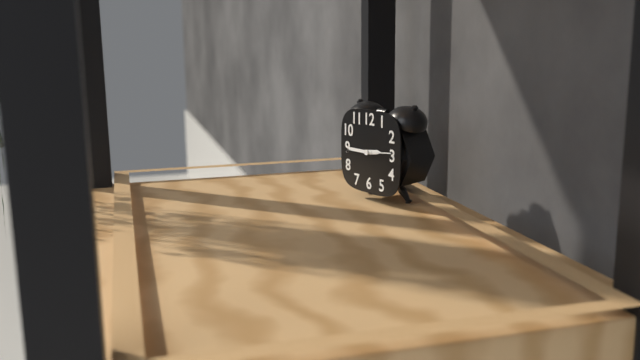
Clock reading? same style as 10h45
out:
2h45
